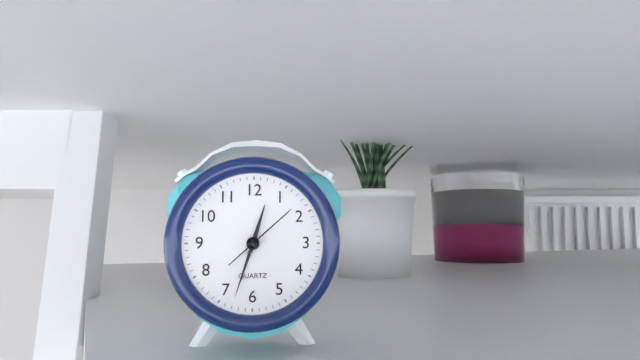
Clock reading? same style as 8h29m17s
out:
12h33m08s
